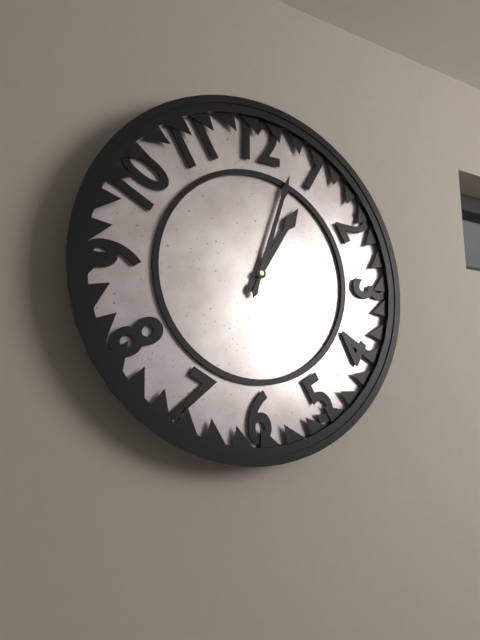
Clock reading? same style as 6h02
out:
1h03
